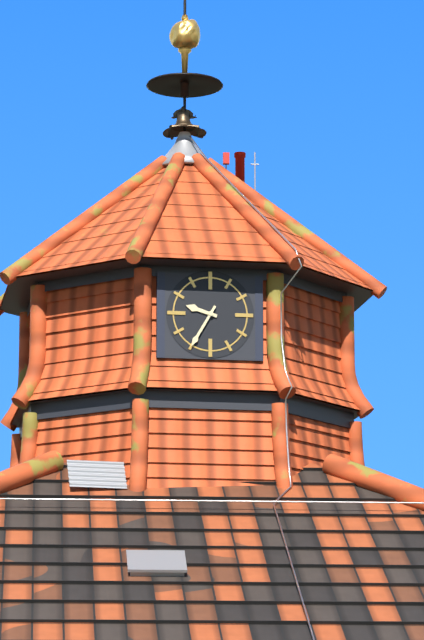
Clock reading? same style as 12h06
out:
9h35
